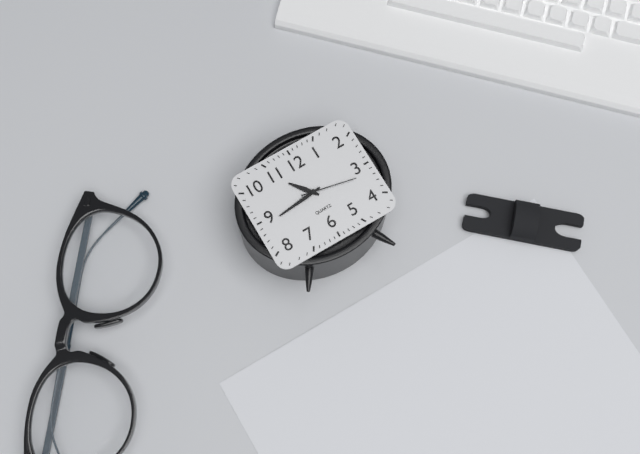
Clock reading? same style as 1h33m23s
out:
10h44m17s
